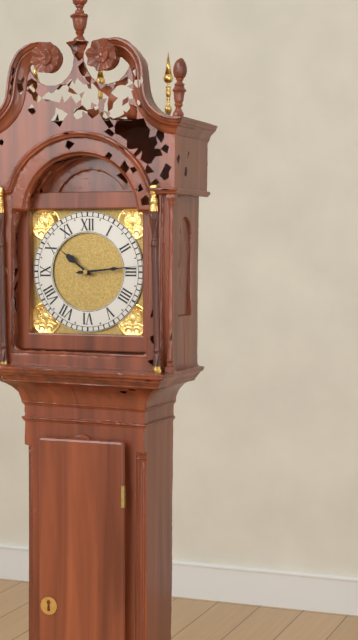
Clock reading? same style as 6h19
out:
10h14
